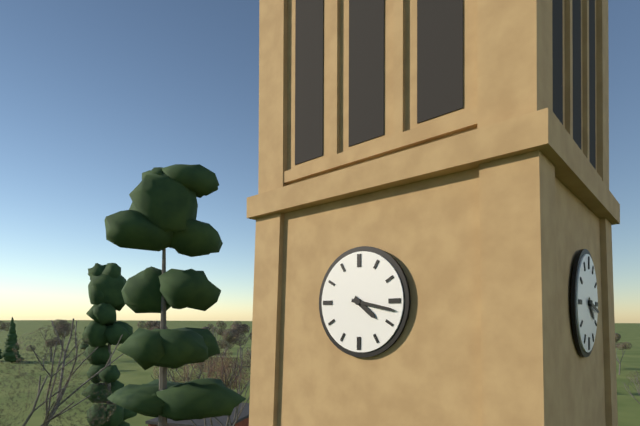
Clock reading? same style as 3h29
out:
4h17
